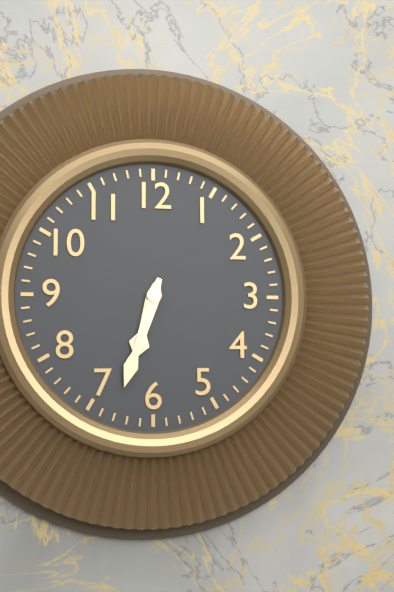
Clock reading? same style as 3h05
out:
6h33
